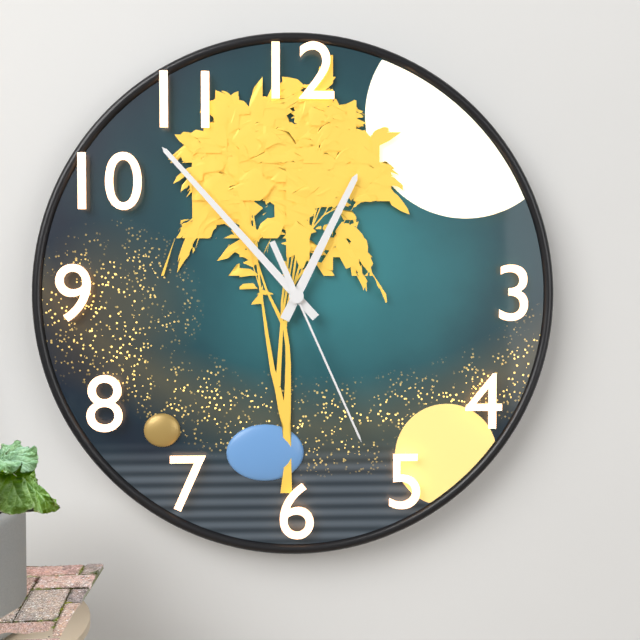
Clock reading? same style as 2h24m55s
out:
12h53m26s
